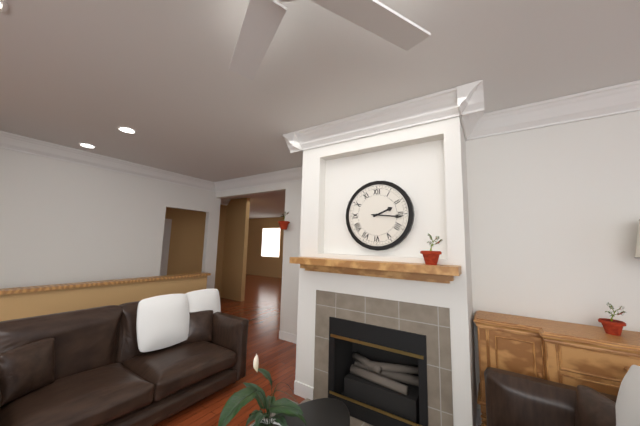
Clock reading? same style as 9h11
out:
2h16
